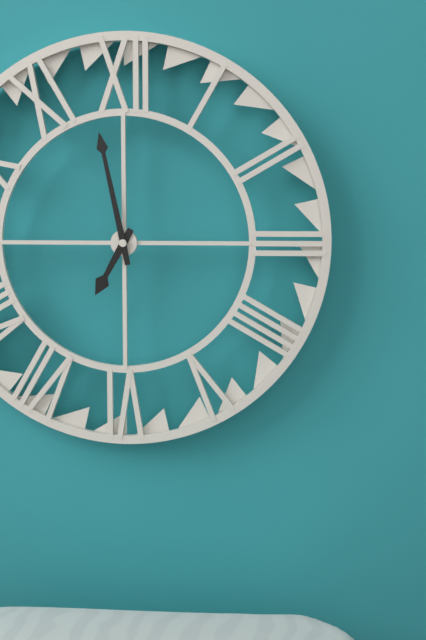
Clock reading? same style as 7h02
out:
6h58
